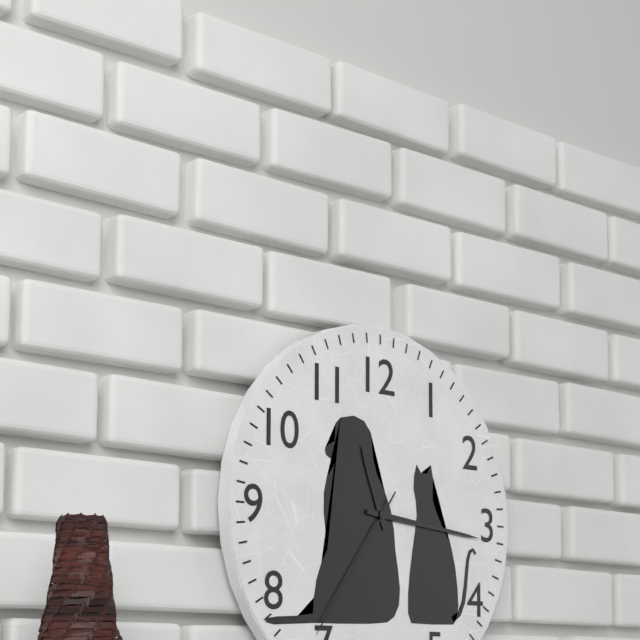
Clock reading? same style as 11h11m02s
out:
11h16m36s
